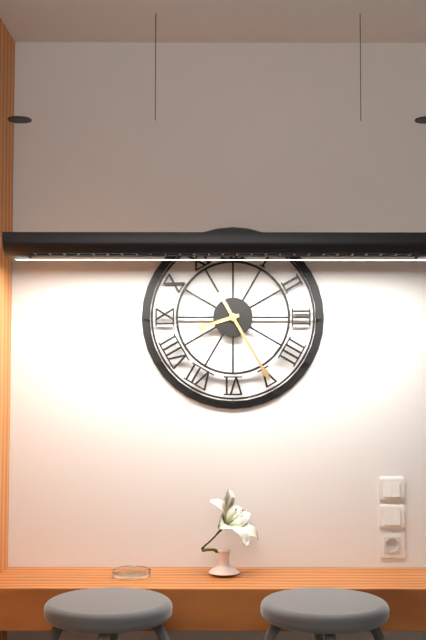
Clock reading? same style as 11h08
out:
8h25
